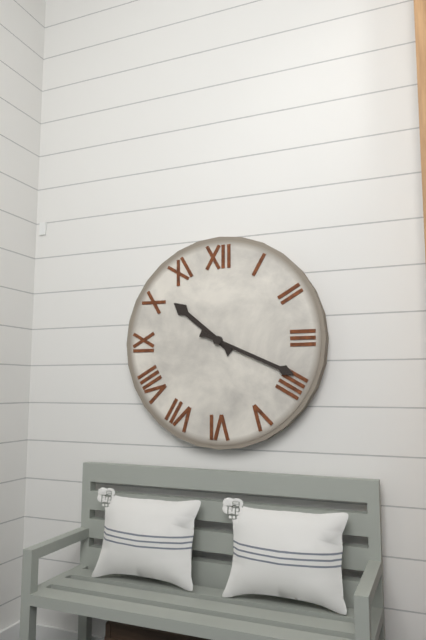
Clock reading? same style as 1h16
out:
10h19
